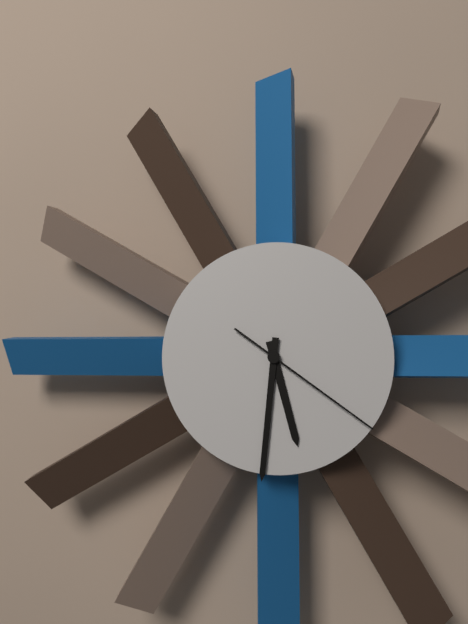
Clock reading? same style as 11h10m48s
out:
5h31m21s
